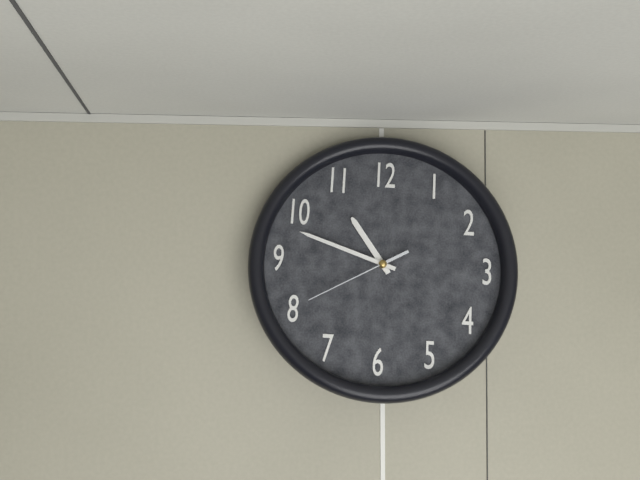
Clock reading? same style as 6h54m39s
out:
10h48m40s
